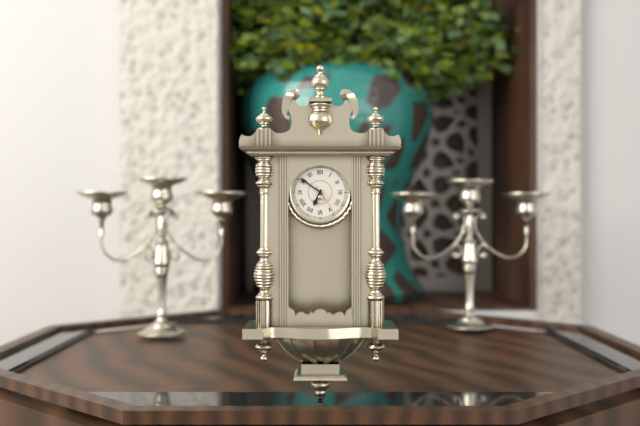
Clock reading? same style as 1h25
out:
6h51
